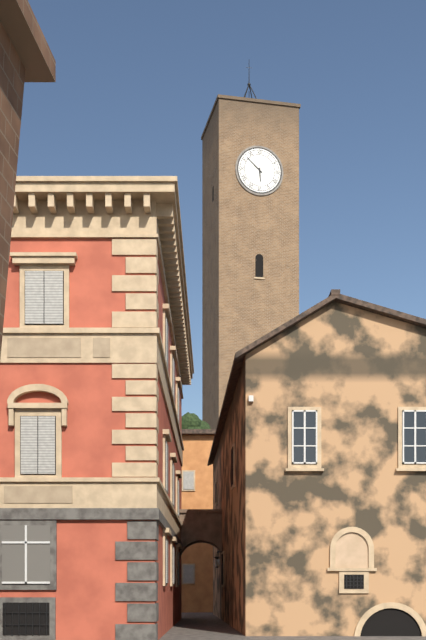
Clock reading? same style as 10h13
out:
5h52
